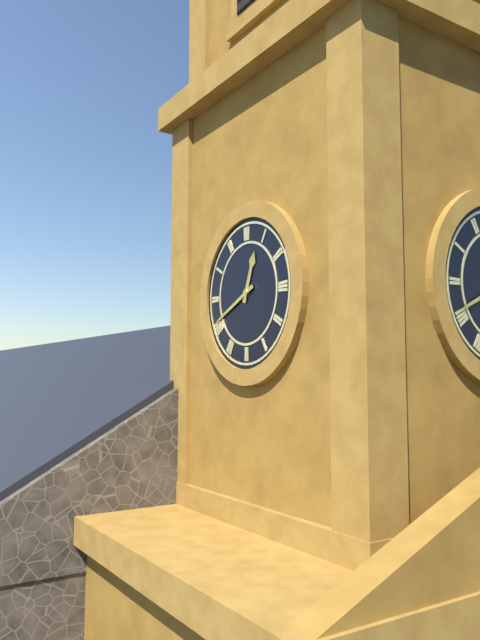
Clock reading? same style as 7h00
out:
12h41
